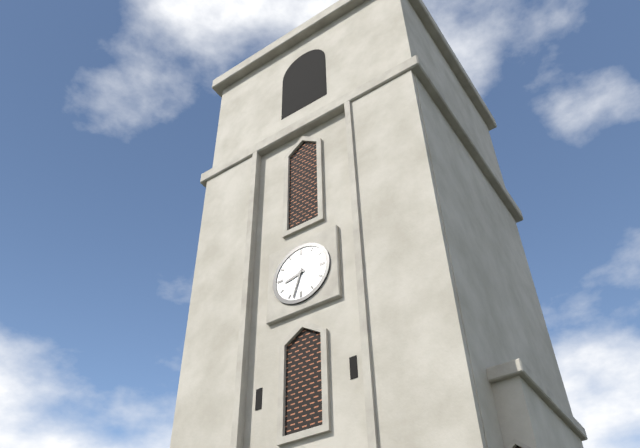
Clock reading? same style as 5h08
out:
8h33
